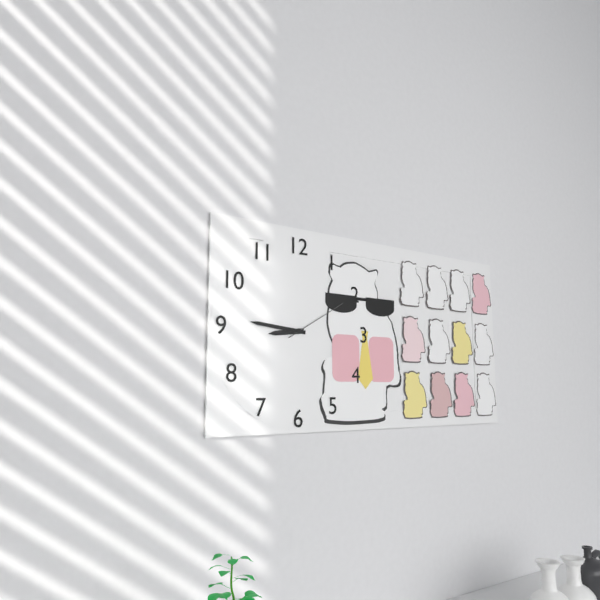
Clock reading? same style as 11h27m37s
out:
8h46m10s
